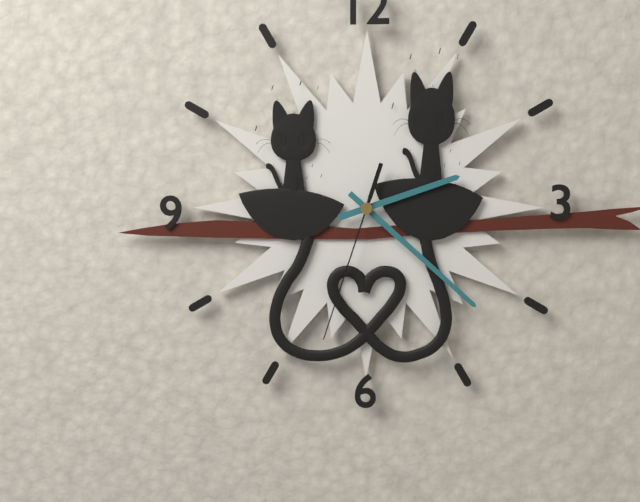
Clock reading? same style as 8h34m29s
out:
2h22m33s
